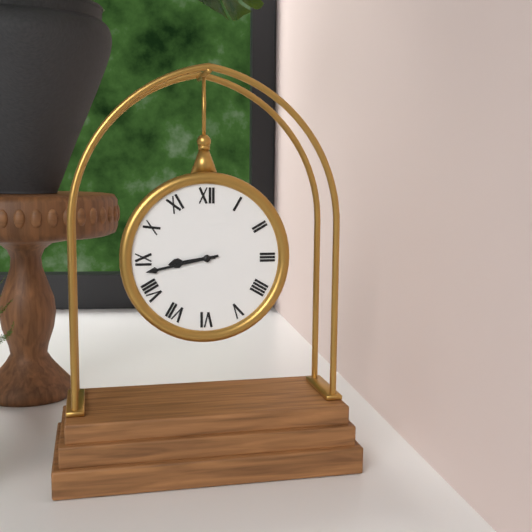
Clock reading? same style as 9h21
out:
8h43
